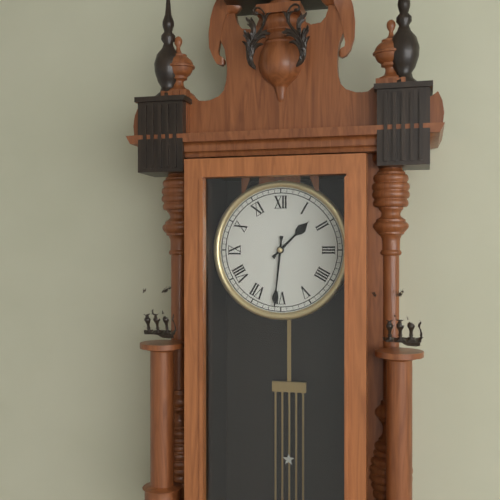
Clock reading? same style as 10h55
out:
1h31
